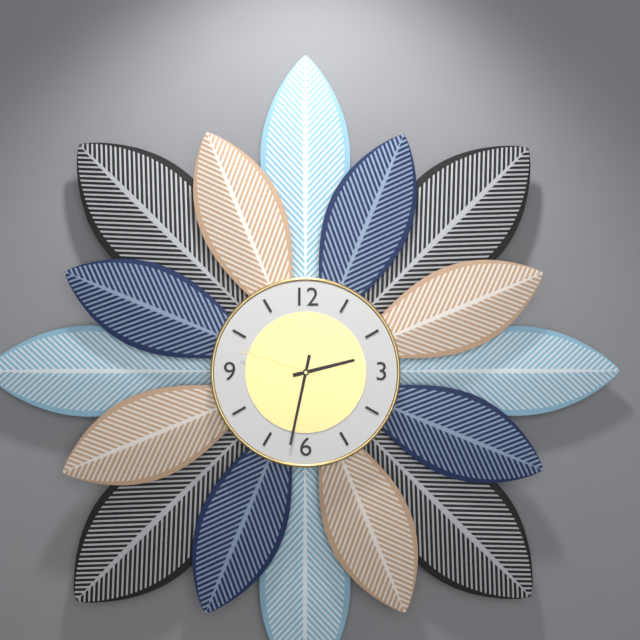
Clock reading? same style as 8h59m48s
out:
2h32m48s
